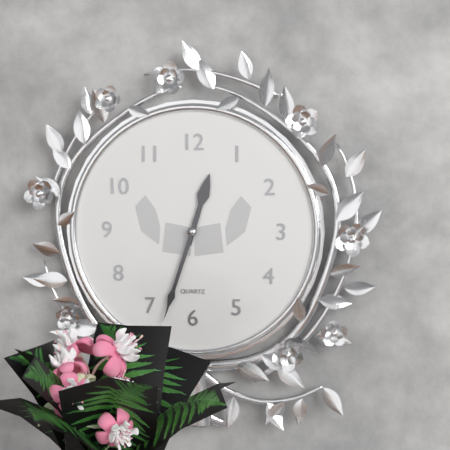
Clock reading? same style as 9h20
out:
12h33
